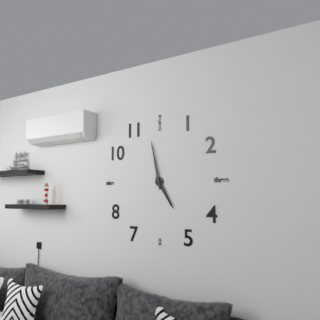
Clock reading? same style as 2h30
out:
4h58
